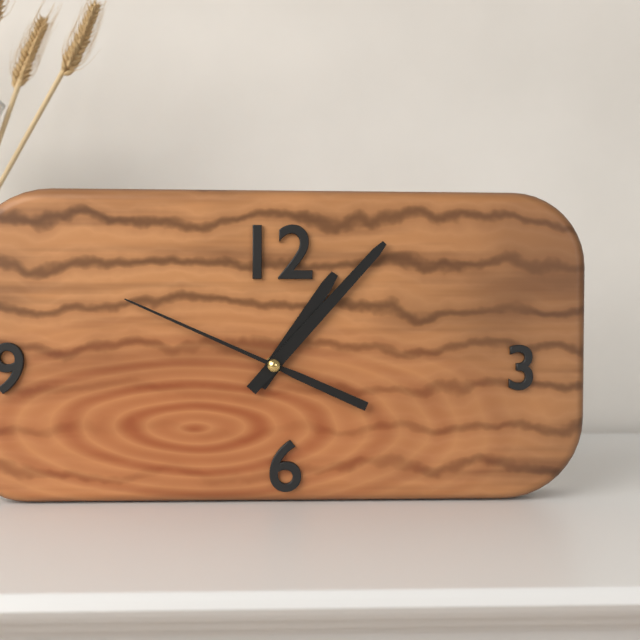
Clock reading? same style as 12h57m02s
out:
1h07m49s
